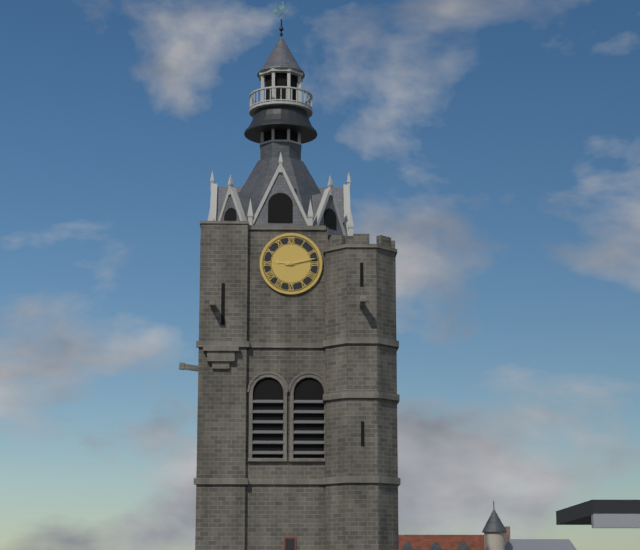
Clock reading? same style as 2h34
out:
9h13
